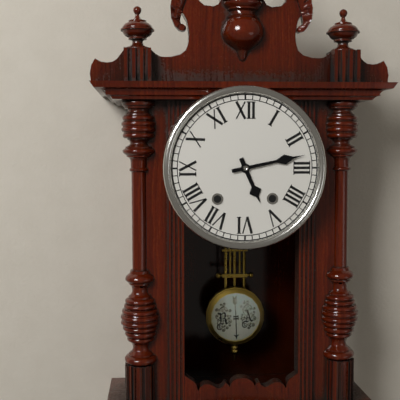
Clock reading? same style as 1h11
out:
5h13
